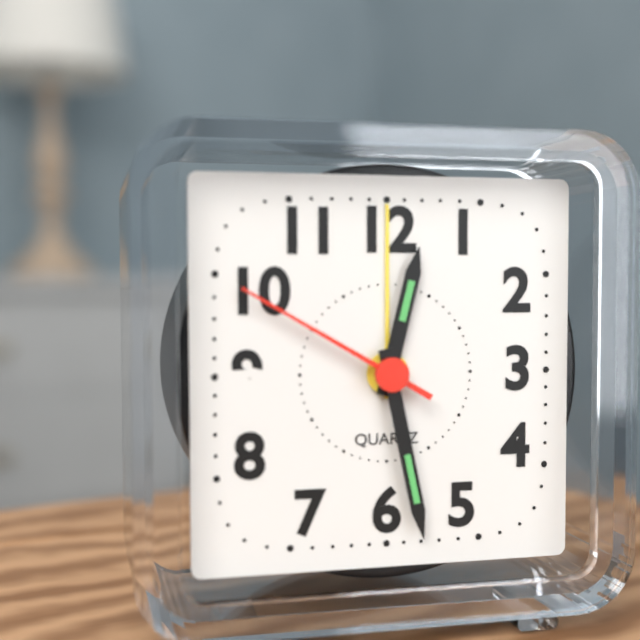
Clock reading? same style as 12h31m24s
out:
12h28m50s
